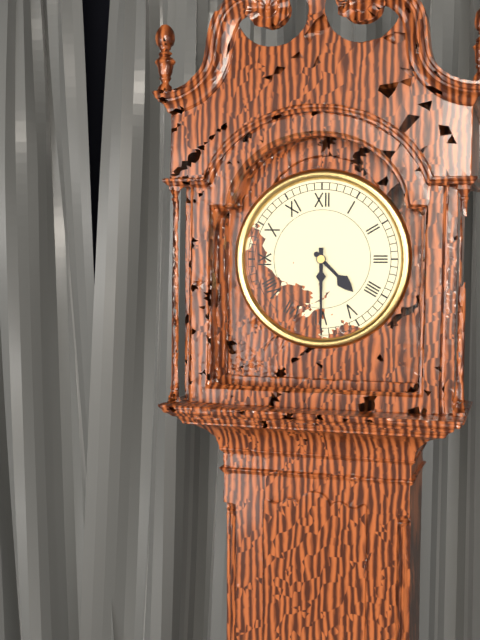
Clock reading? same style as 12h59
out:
4h30
